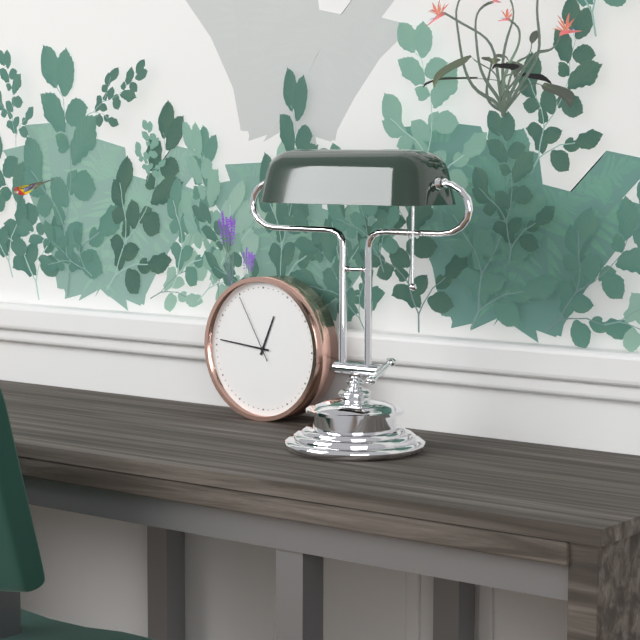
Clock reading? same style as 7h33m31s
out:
12h46m55s
